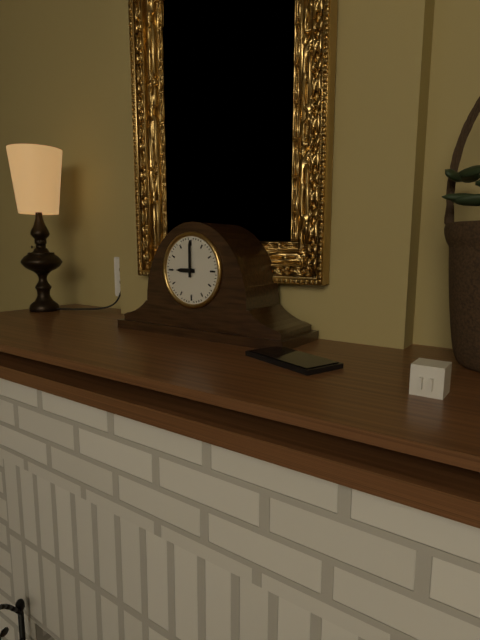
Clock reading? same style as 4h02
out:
9h00
